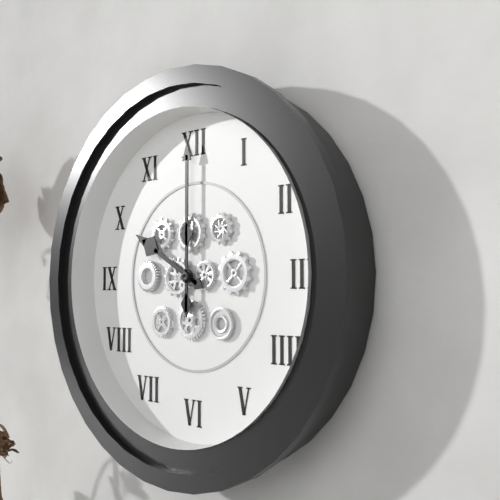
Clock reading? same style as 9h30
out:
10h00
